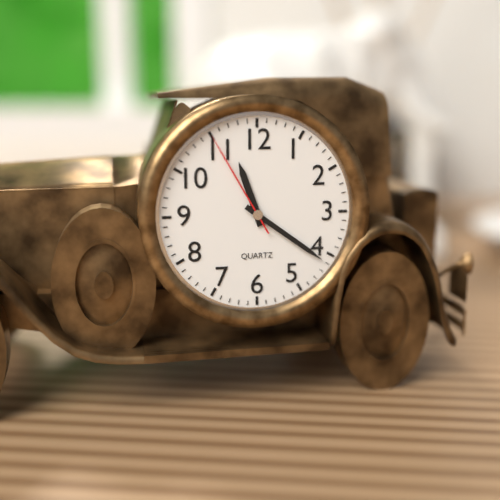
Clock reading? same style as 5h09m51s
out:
11h21m55s
